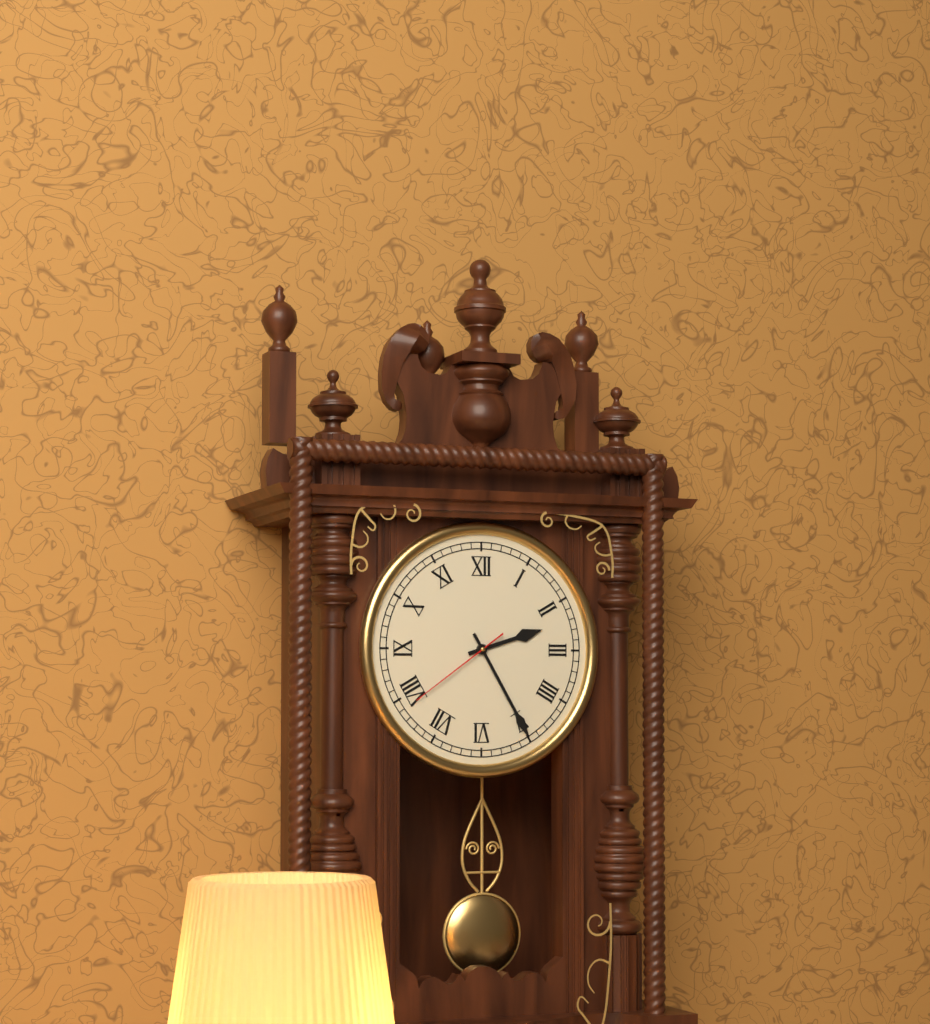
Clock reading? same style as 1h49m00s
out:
2h25m39s
